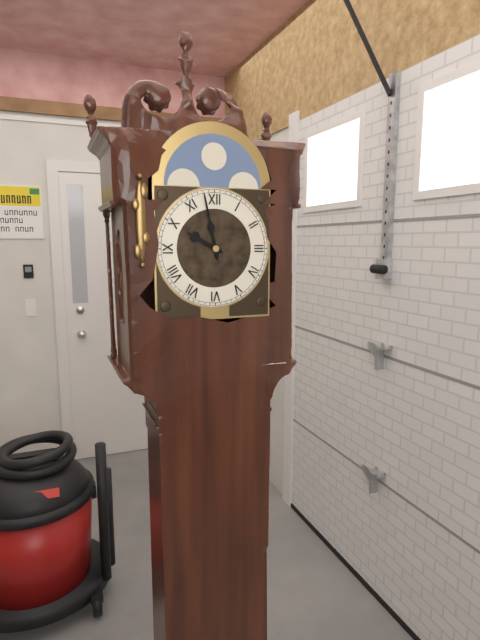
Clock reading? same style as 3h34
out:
9h58
